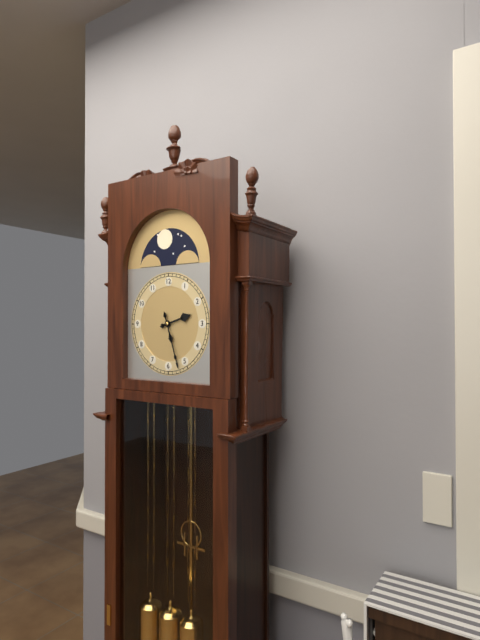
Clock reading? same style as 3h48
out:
2h27
